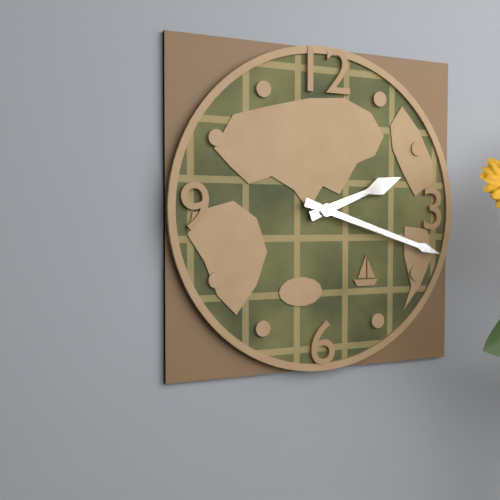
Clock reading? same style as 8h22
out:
2h18
